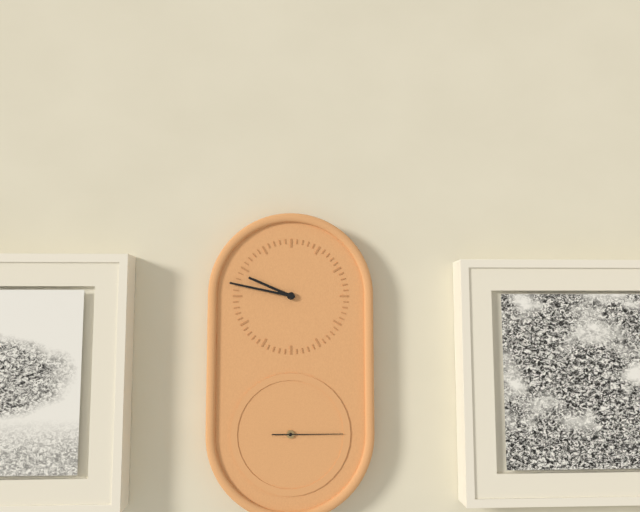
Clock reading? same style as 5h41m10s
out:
9h47m15s
